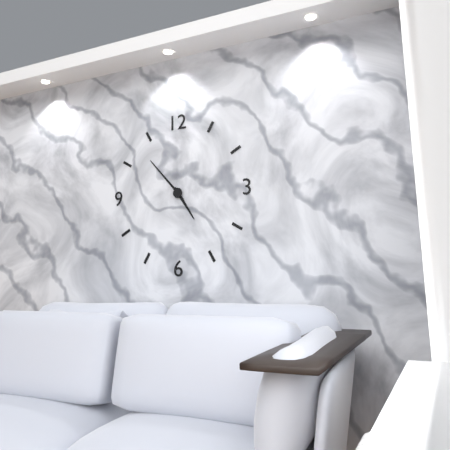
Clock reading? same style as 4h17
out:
4h53
